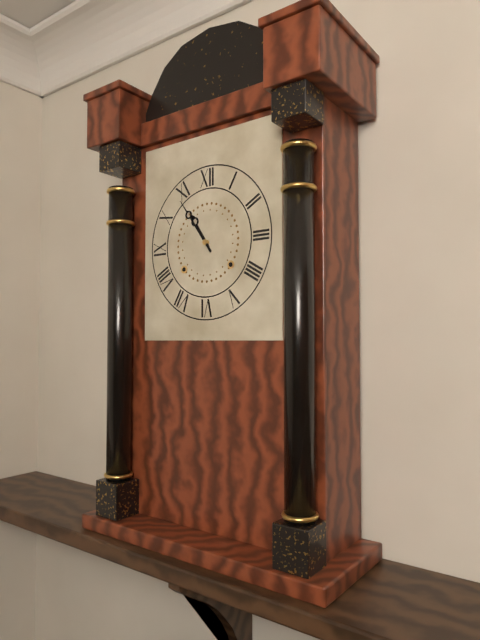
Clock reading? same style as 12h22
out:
10h54
